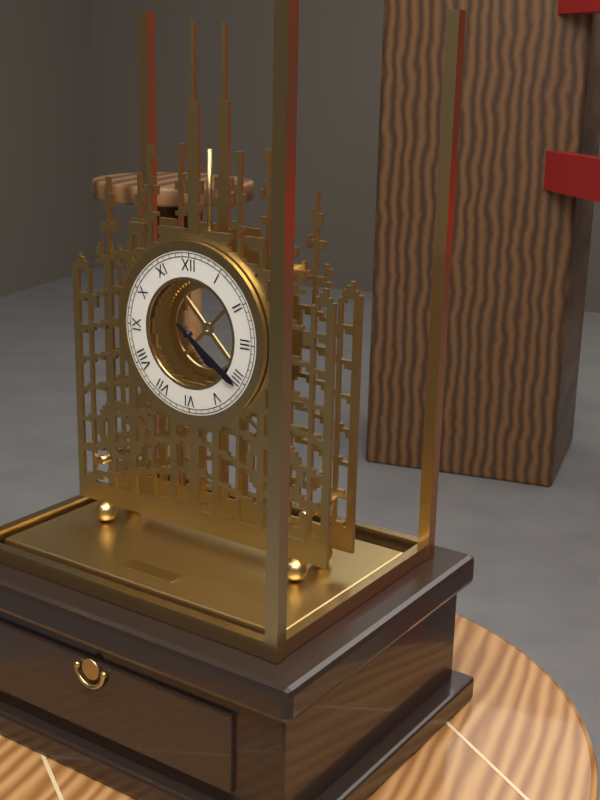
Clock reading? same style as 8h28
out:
4h21
